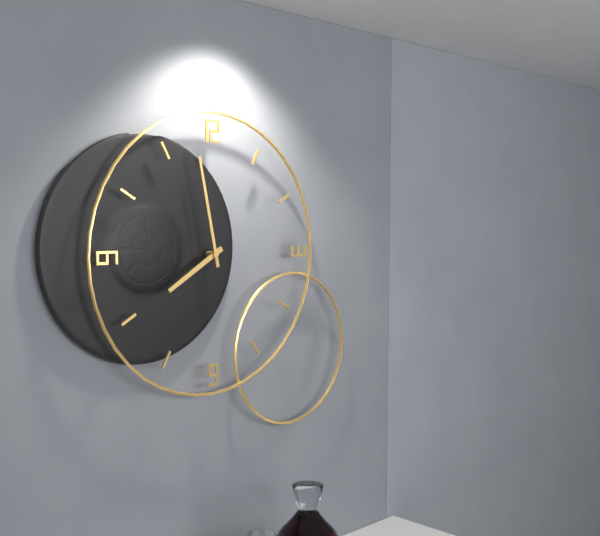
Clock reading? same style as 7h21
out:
7h58
